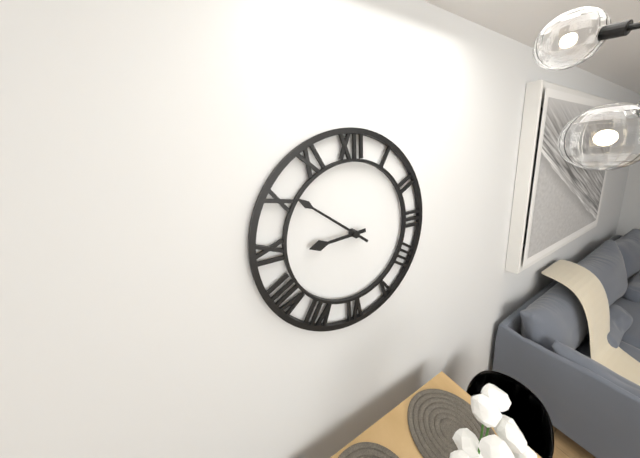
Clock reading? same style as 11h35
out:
8h51
